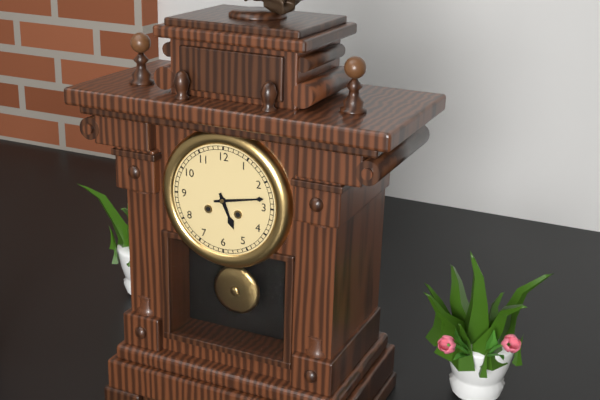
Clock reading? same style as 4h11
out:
5h13
